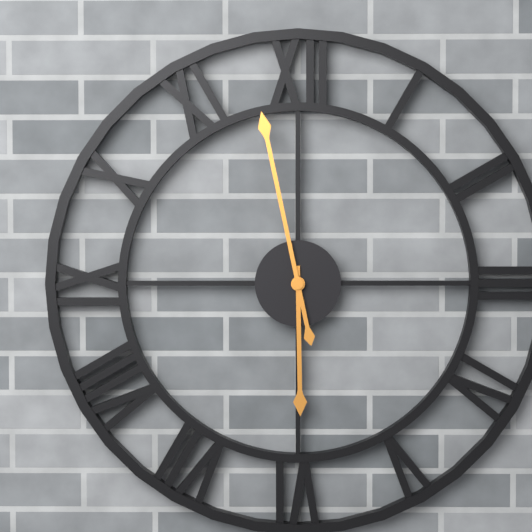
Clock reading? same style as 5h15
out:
5h58
